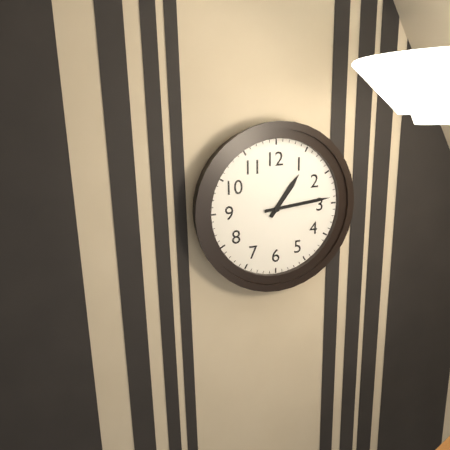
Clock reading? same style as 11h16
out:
1h14
